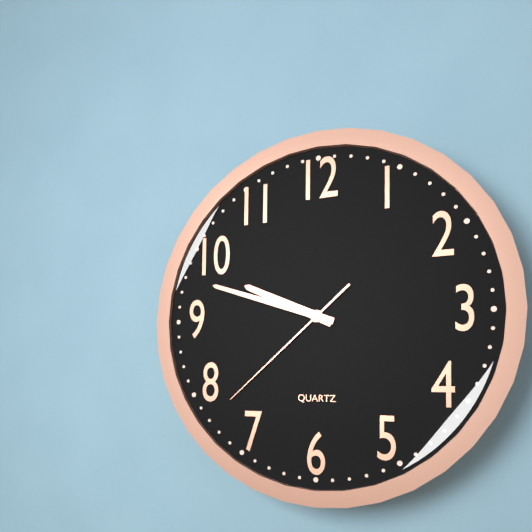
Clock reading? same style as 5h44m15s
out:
9h48m38s
